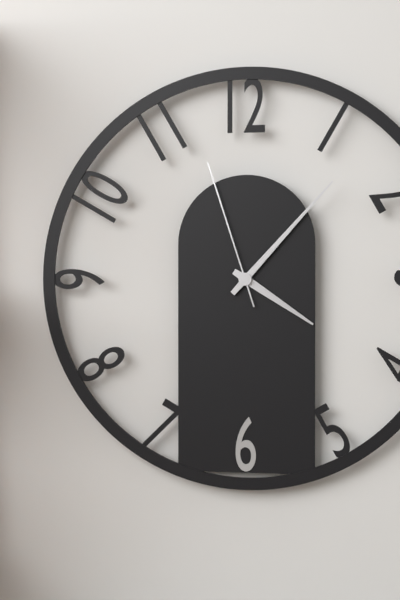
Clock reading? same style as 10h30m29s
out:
4h07m57s
